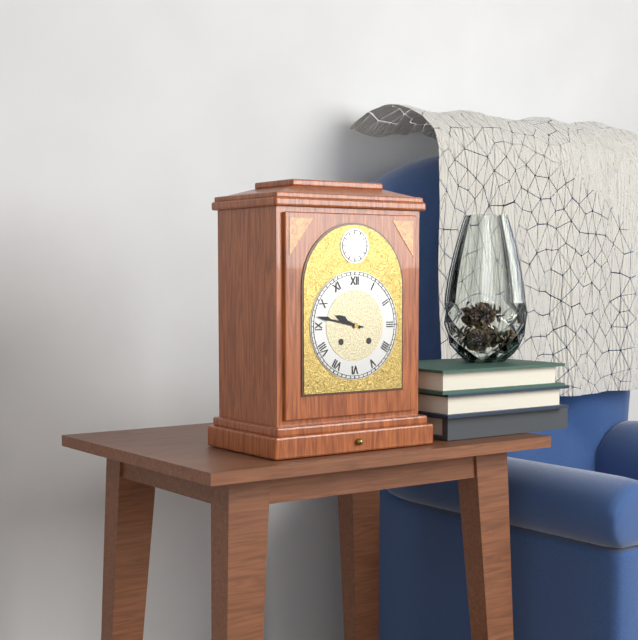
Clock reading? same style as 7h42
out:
9h47
